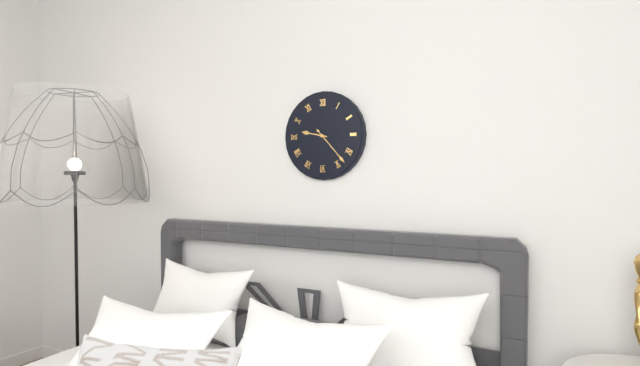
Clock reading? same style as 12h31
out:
9h23
